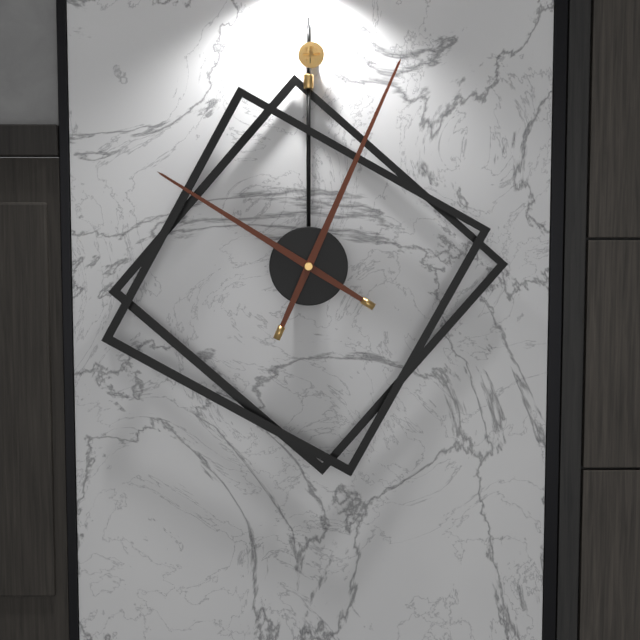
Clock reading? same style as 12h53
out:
10h04
